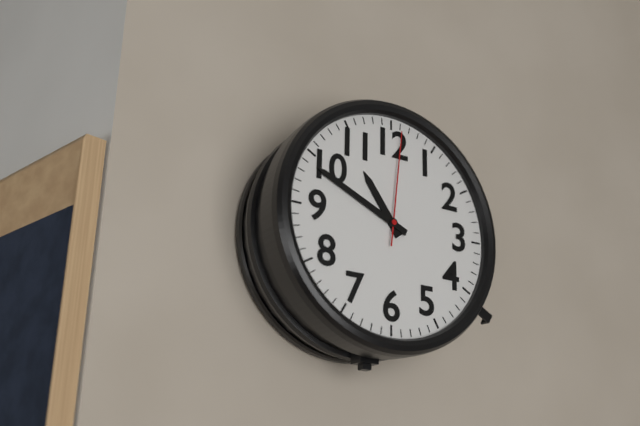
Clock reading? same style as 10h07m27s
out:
10h49m01s
